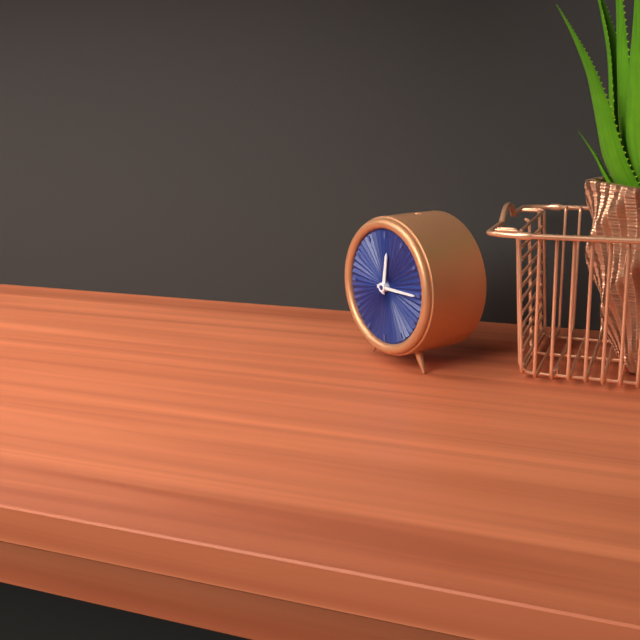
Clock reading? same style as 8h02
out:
12h15
